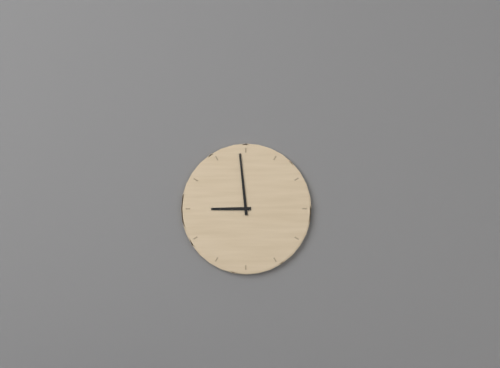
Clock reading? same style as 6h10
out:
8h59
